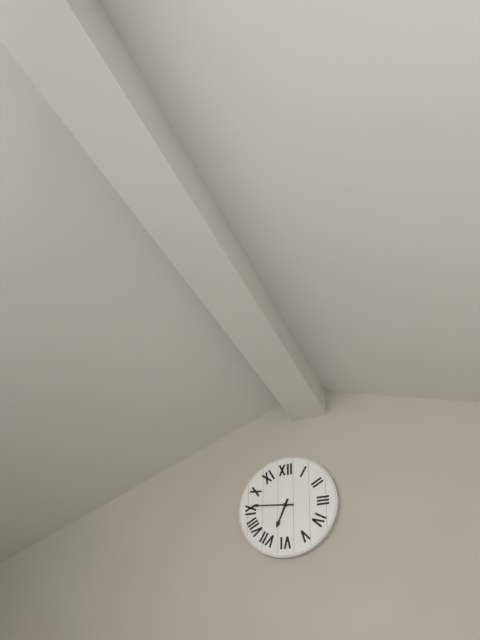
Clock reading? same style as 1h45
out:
6h46
